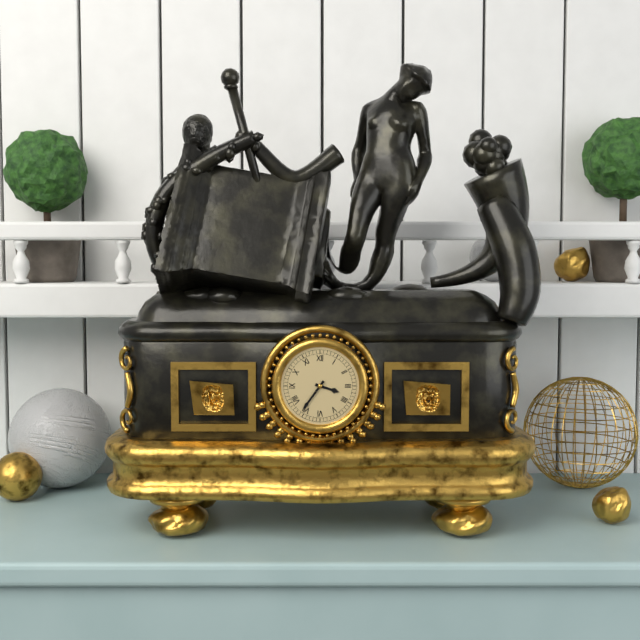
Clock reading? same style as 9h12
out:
3h36
